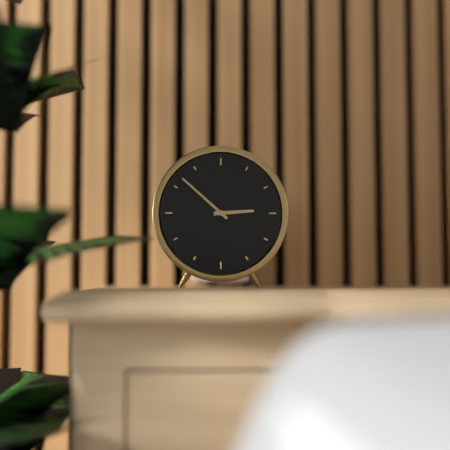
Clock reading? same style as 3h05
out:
2h52
